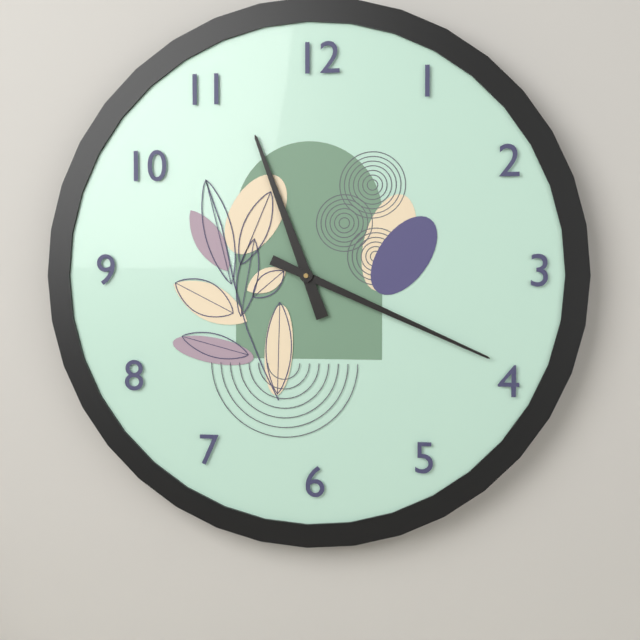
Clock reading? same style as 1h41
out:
11h19
